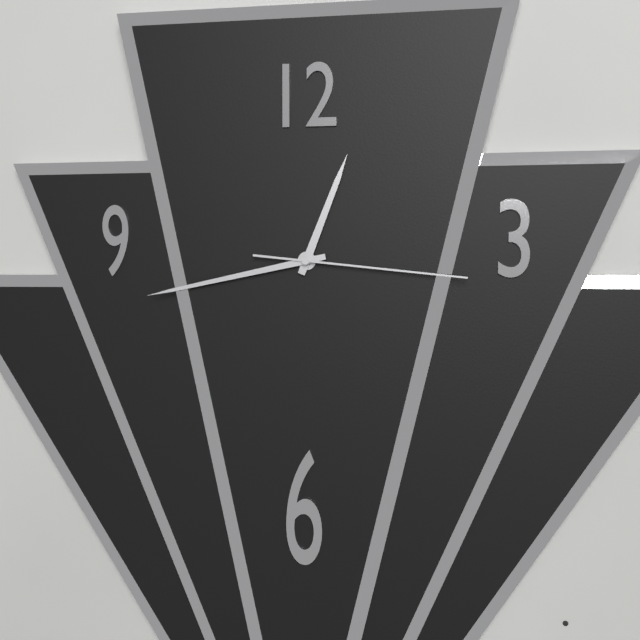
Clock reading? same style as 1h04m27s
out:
12h43m16s
